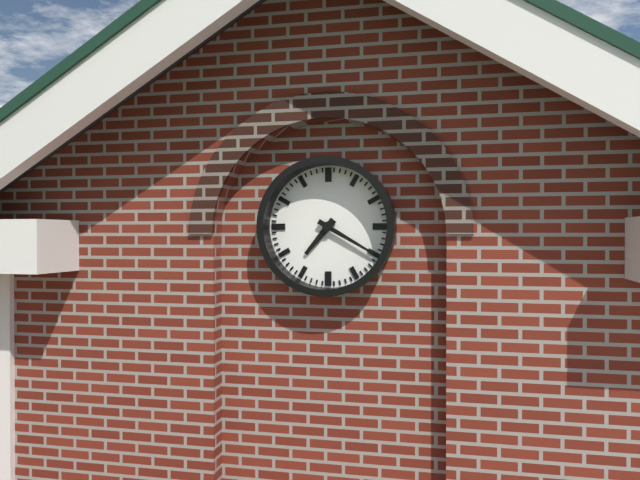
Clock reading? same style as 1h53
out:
7h20
